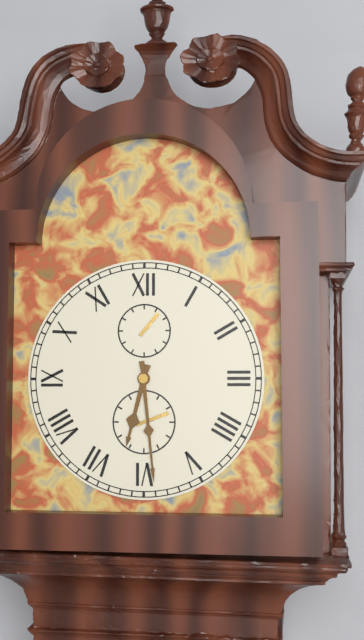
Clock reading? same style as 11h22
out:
6h29
